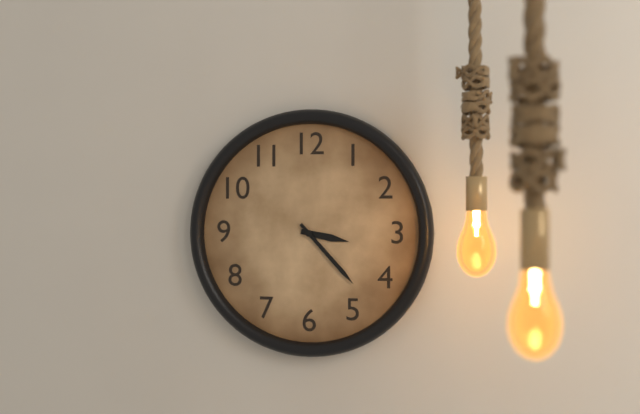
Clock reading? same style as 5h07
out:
3h23
